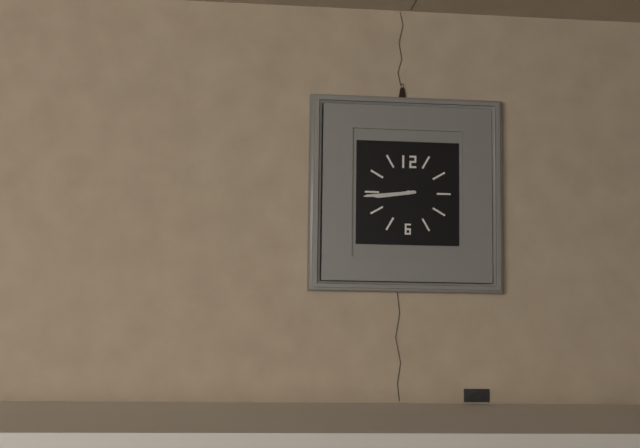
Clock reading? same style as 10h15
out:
8h44
